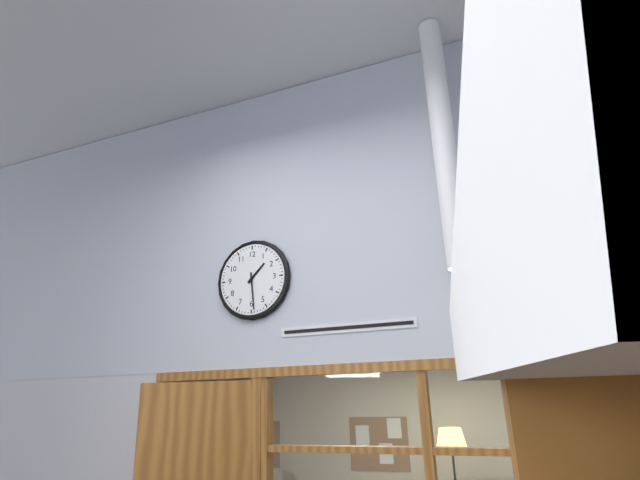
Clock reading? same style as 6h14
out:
1h29
